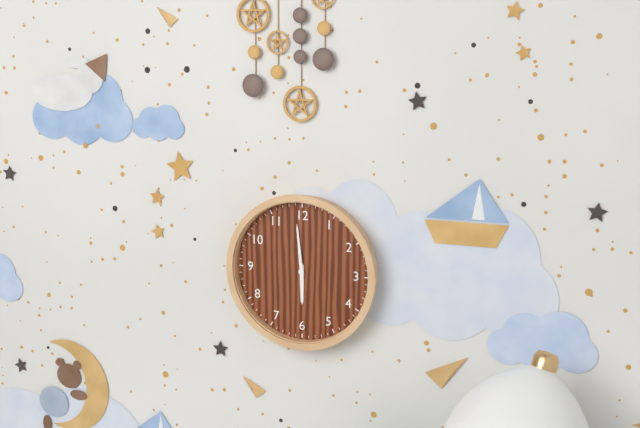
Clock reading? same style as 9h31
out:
5h59
